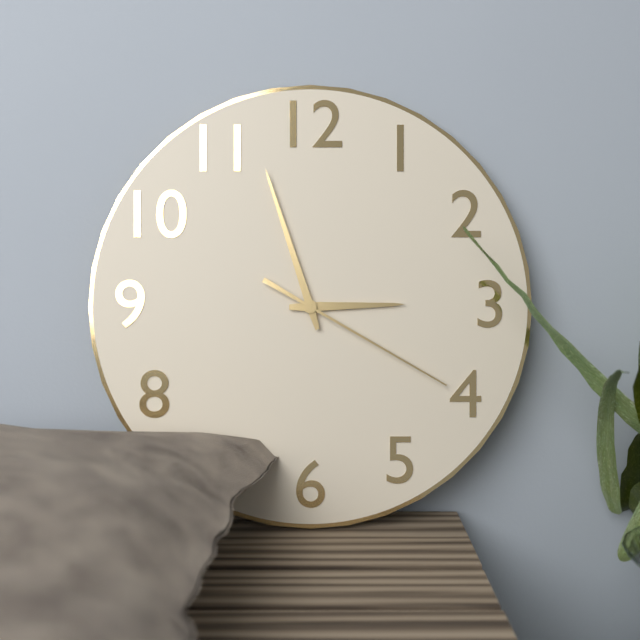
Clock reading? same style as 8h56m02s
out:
2h57m20s
